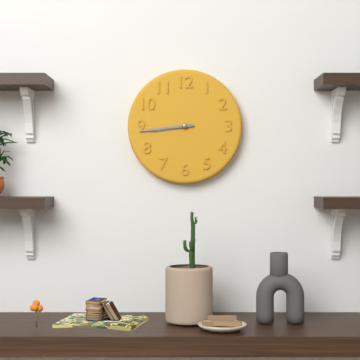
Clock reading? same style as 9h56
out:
8h44
